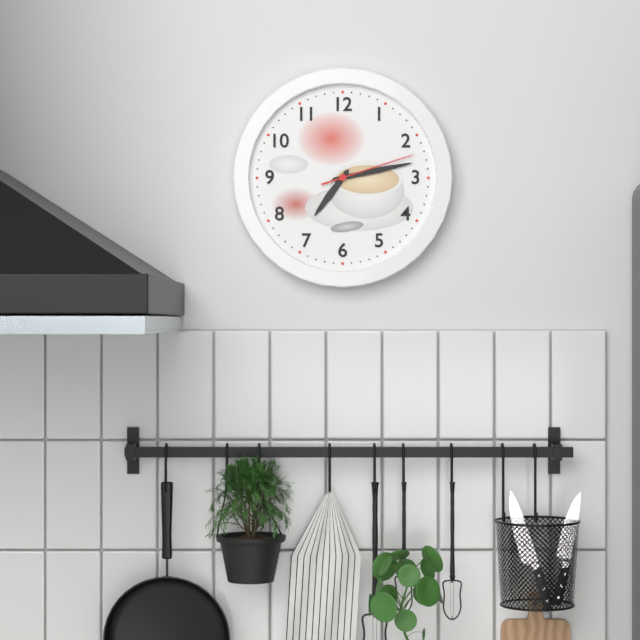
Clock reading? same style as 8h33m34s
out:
7h13m12s
